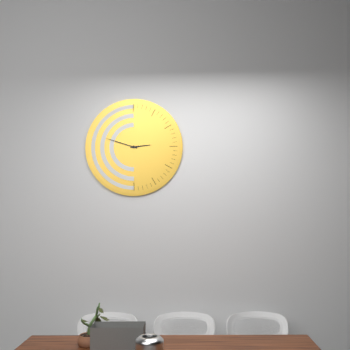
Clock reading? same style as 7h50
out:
2h48
